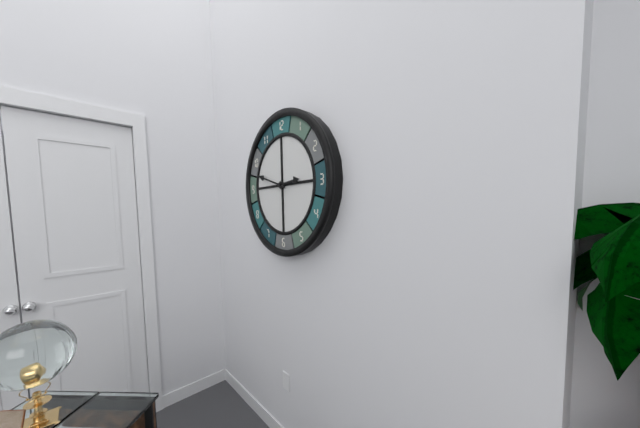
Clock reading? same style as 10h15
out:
2h48
